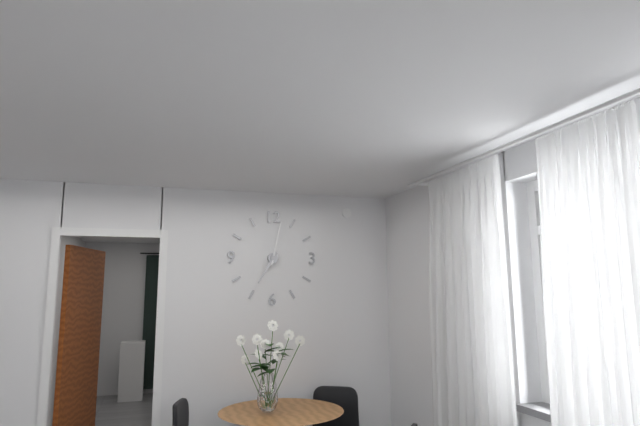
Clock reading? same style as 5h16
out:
7h02
